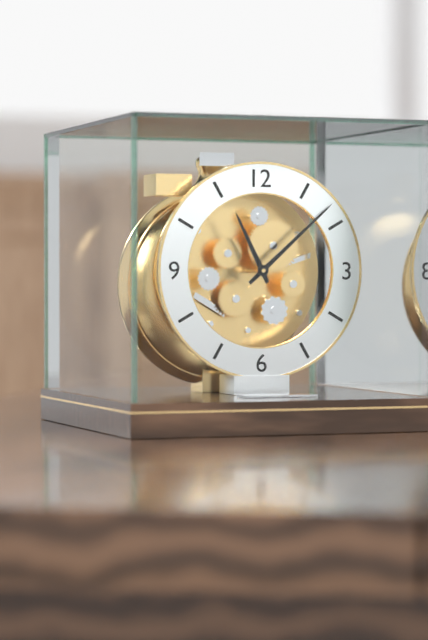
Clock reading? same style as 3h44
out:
11h08
